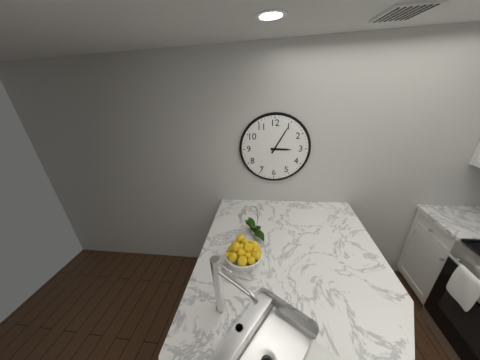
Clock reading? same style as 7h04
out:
3h05
